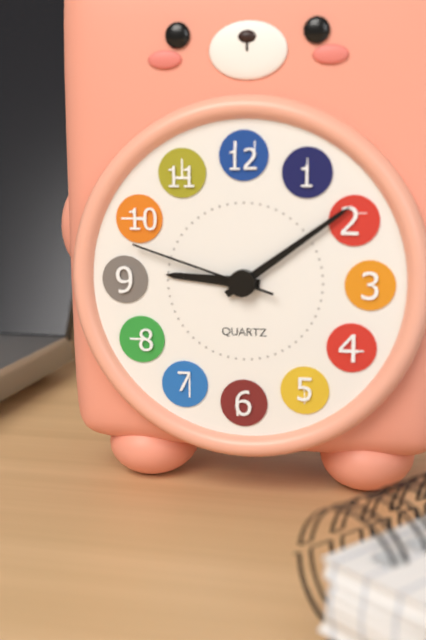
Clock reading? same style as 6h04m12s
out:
9h09m48s
